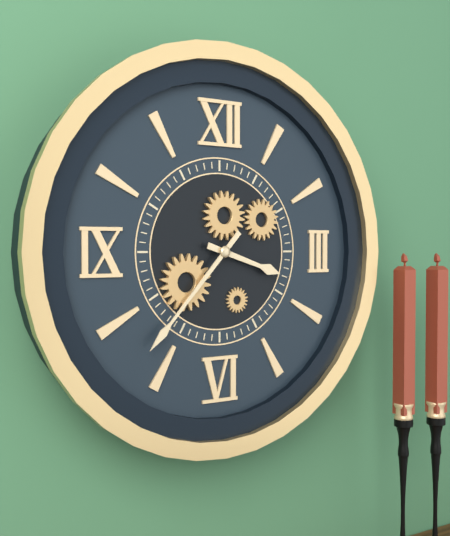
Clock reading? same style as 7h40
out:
3h37
